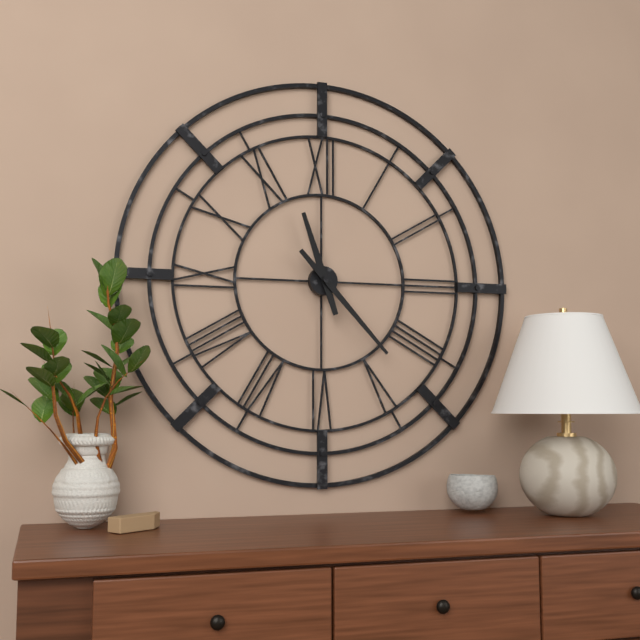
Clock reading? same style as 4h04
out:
11h23
